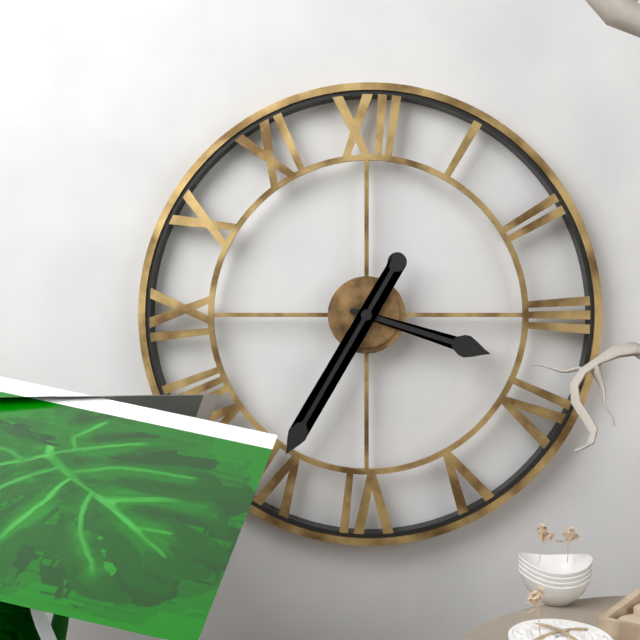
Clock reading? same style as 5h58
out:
3h35
